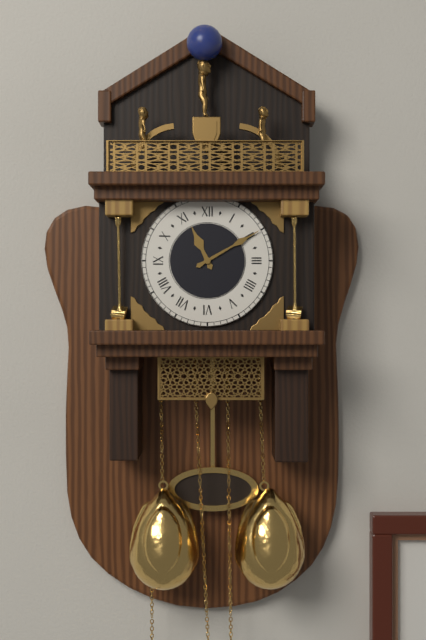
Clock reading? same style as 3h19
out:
11h10
